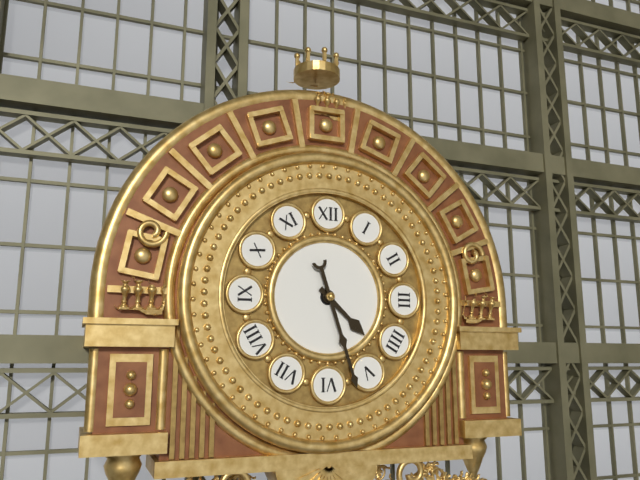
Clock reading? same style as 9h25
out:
4h27
